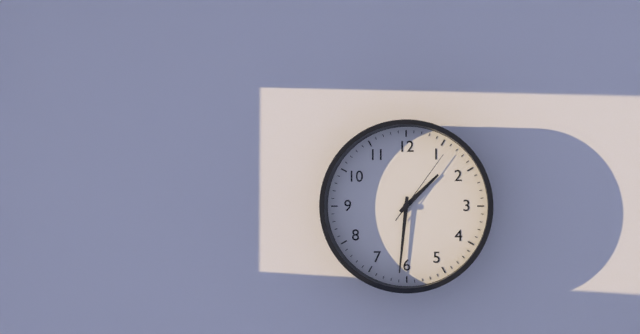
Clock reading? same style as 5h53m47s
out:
1h31m06s
